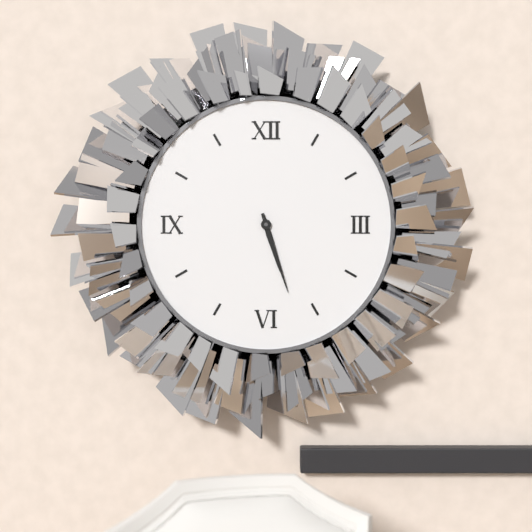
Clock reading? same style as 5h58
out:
5h27
